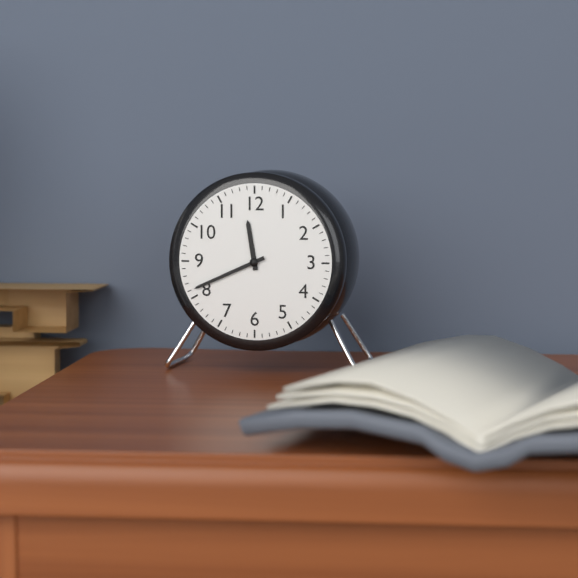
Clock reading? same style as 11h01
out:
11h41
